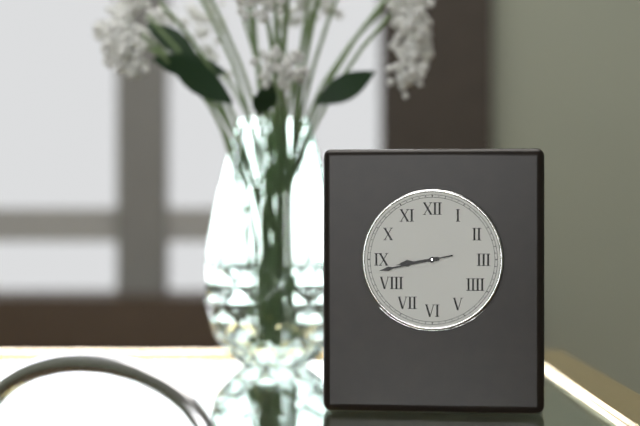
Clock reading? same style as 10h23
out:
8h43
